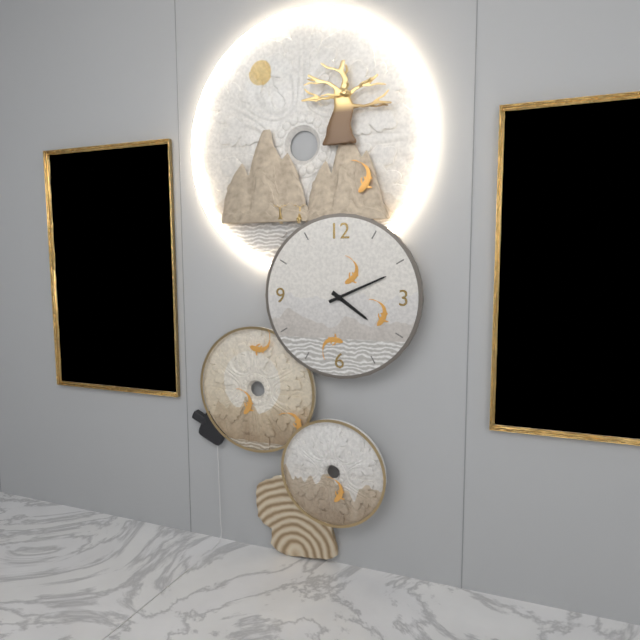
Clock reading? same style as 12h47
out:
4h11
